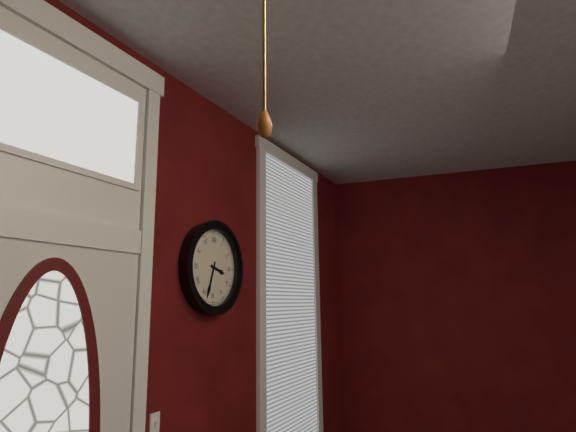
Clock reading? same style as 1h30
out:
3h33
